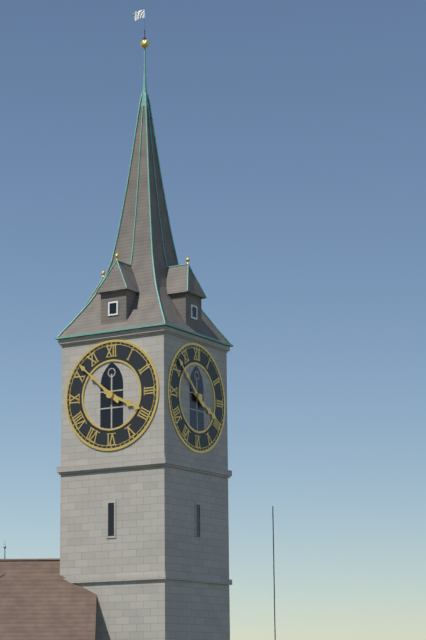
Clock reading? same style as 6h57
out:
3h52
